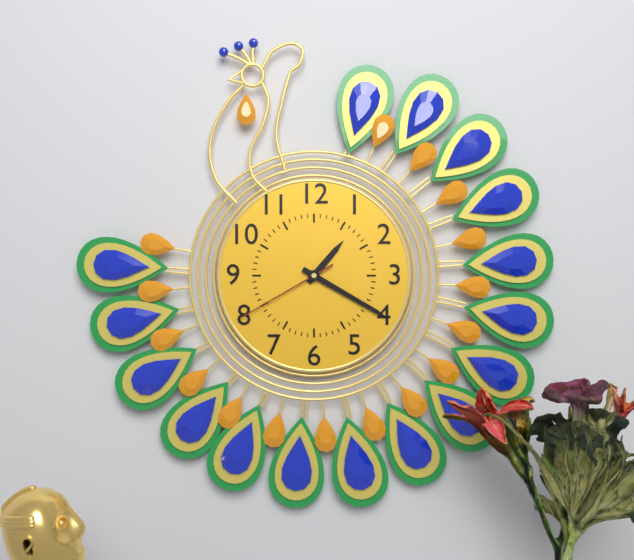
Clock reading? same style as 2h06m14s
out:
1h20m40s
